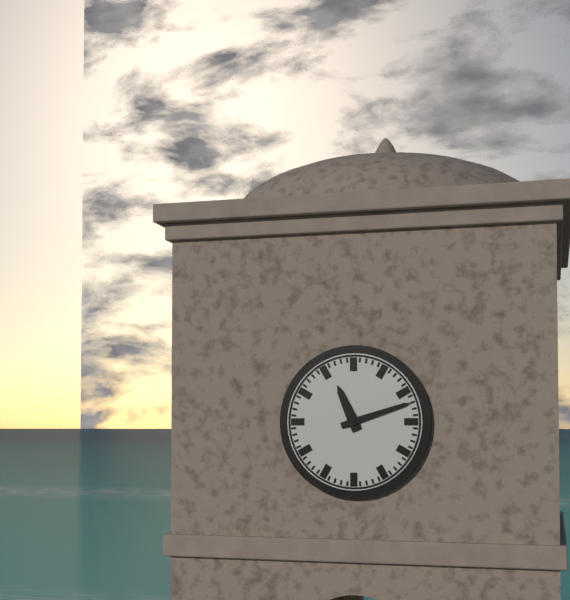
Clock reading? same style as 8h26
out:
11h12
